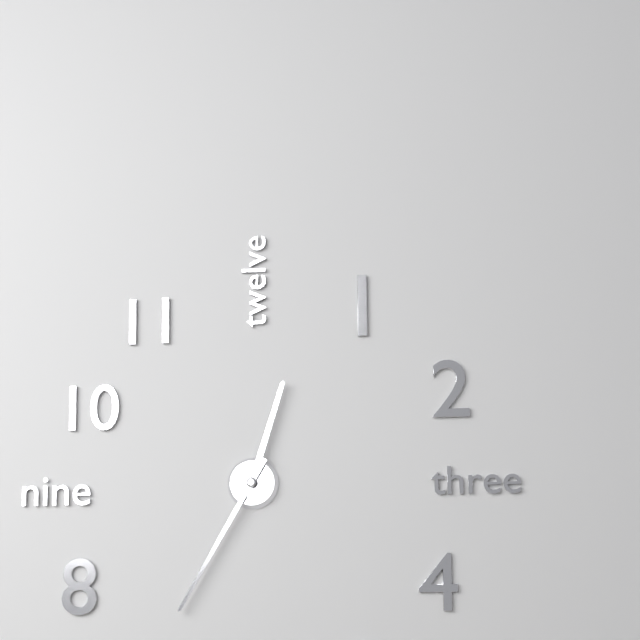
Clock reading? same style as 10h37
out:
12h35
